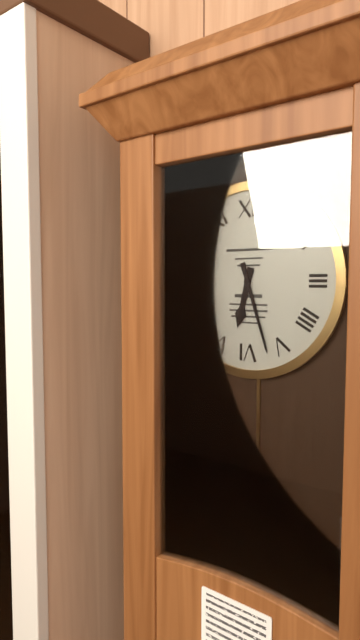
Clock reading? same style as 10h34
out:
6h27
